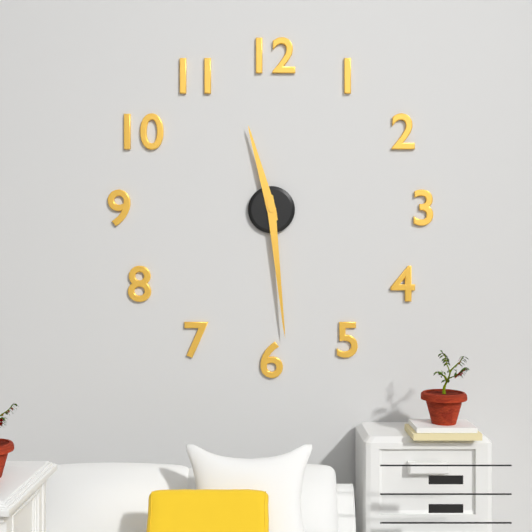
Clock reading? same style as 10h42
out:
11h29
